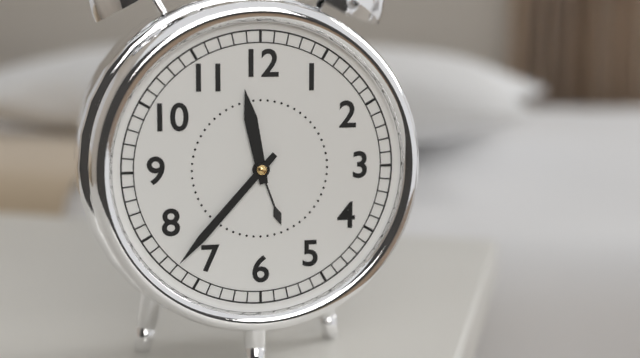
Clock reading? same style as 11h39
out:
11h37
